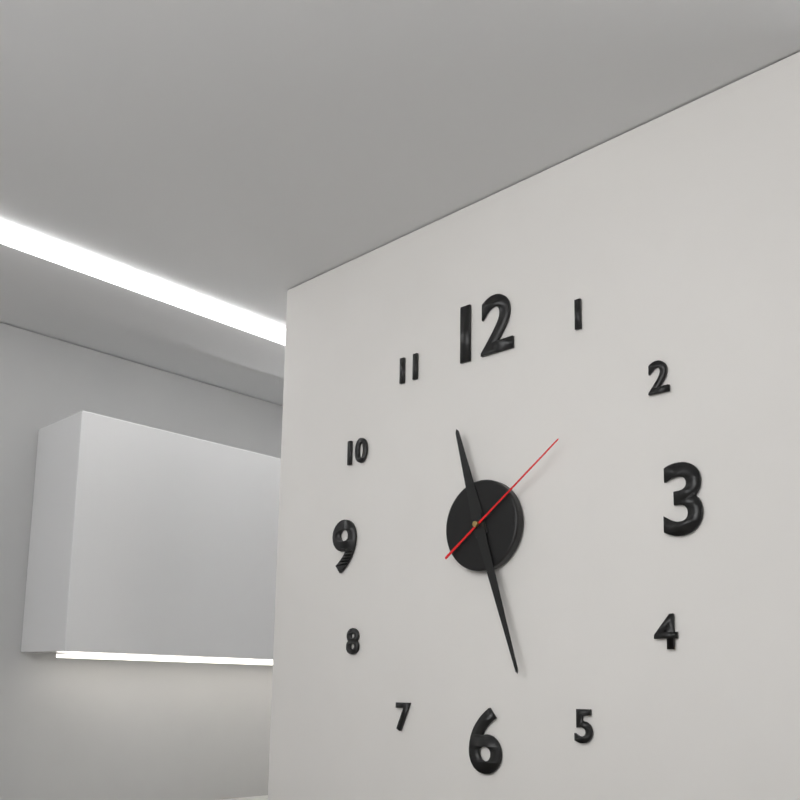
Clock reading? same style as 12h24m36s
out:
11h27m09s
